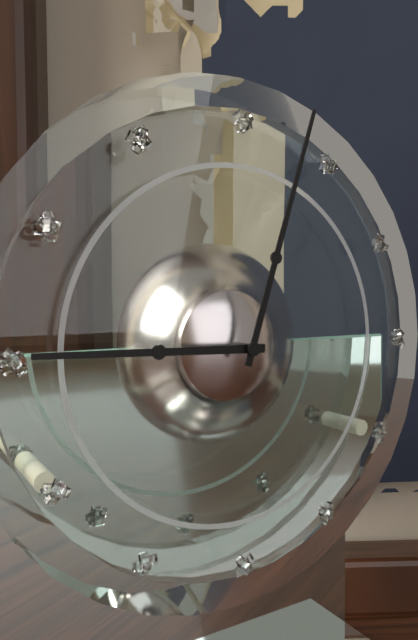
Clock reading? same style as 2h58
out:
9h03
